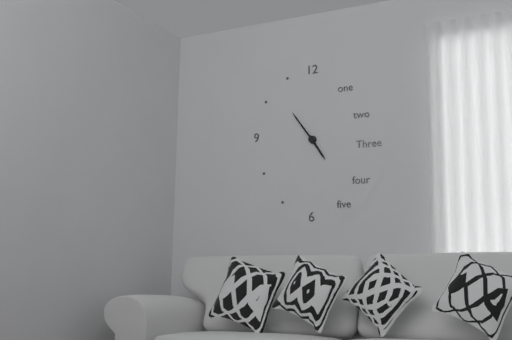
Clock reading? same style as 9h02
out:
4h54
